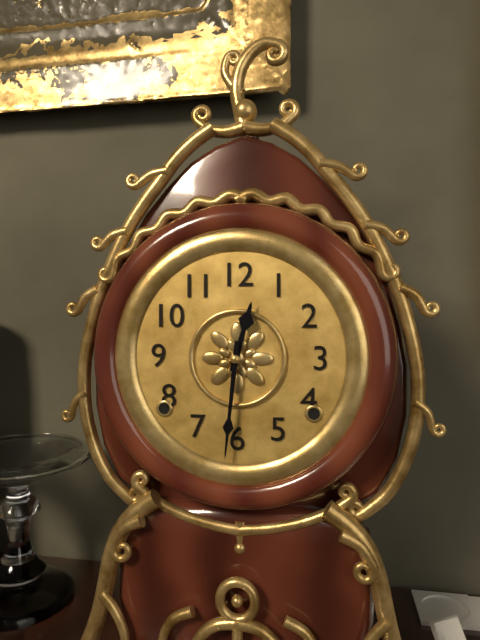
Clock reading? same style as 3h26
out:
12h31
